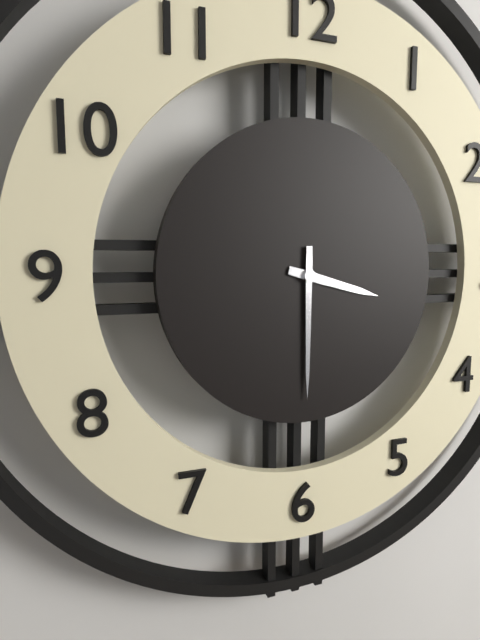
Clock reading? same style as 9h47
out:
3h30
